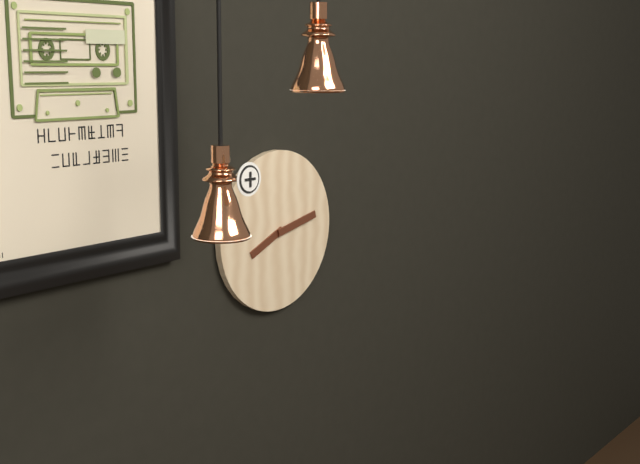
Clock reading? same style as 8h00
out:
8h13
